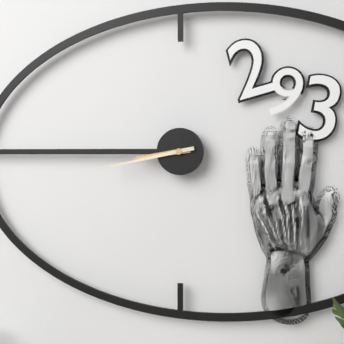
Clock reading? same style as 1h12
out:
8h43
